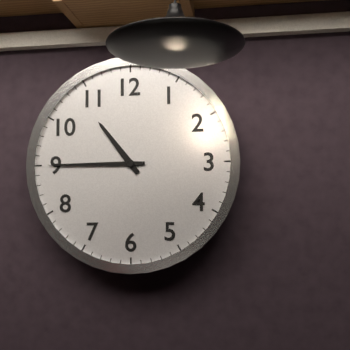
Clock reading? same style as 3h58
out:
10h45
